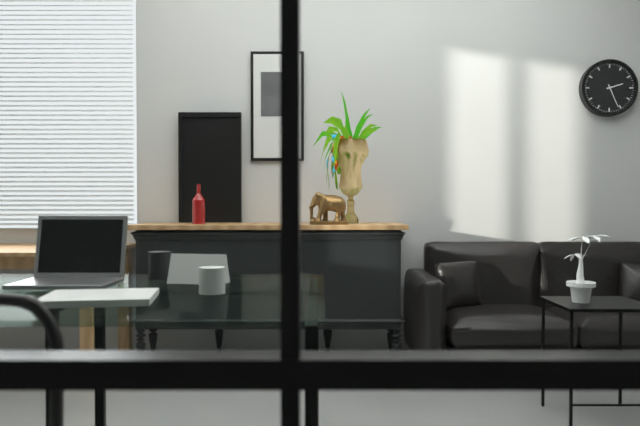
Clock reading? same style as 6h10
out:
2h26
